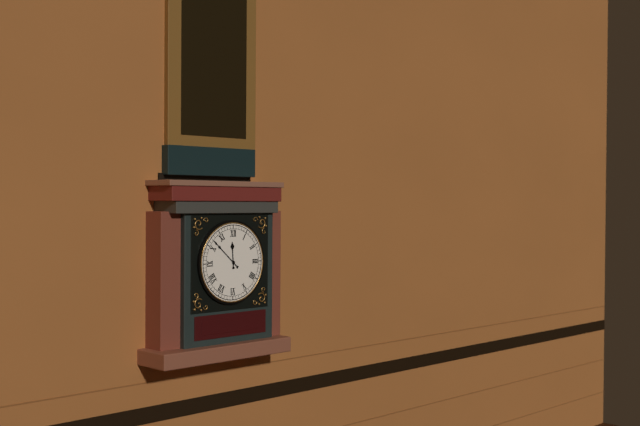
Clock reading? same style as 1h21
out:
11h52
